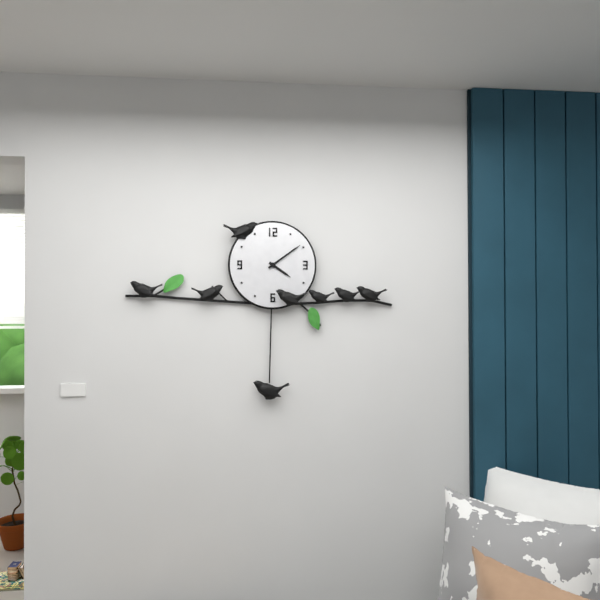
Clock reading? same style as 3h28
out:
4h09
